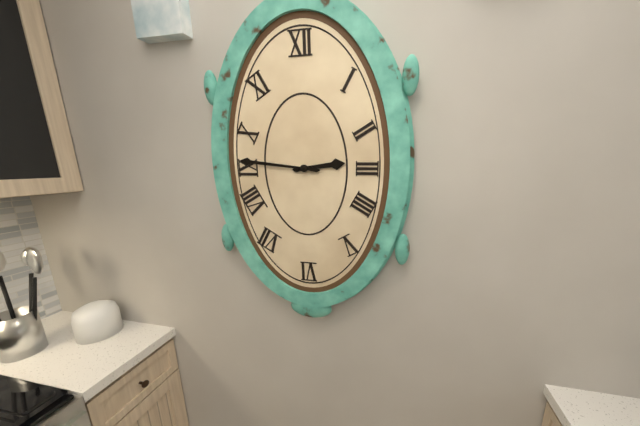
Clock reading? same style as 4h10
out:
2h46
